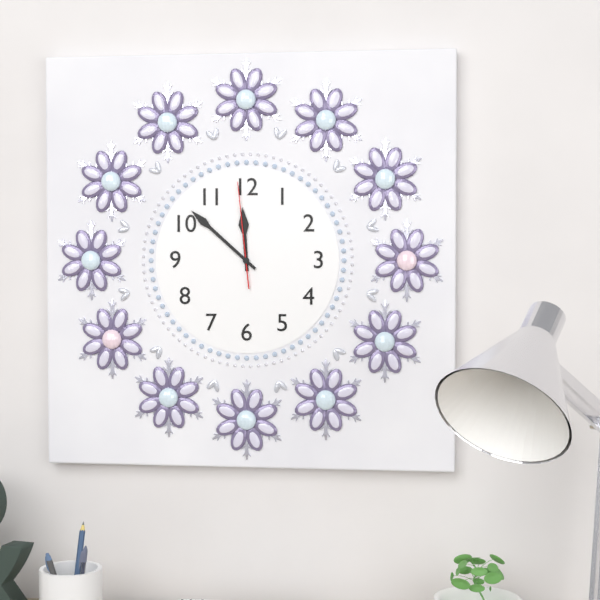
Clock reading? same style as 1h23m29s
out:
11h52m59s
